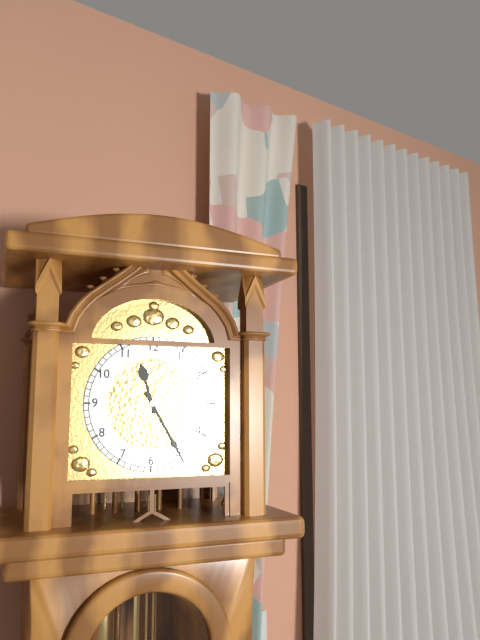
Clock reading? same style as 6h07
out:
11h25
